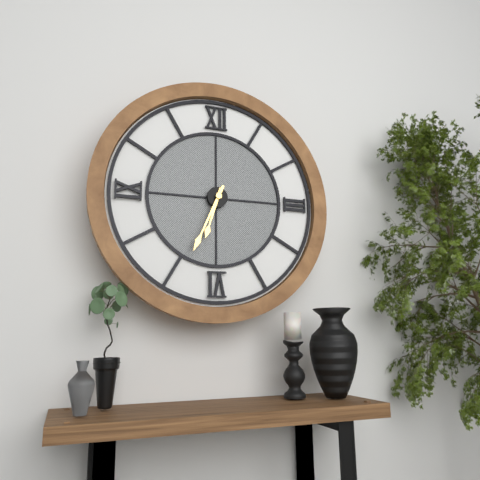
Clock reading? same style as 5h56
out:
6h34
